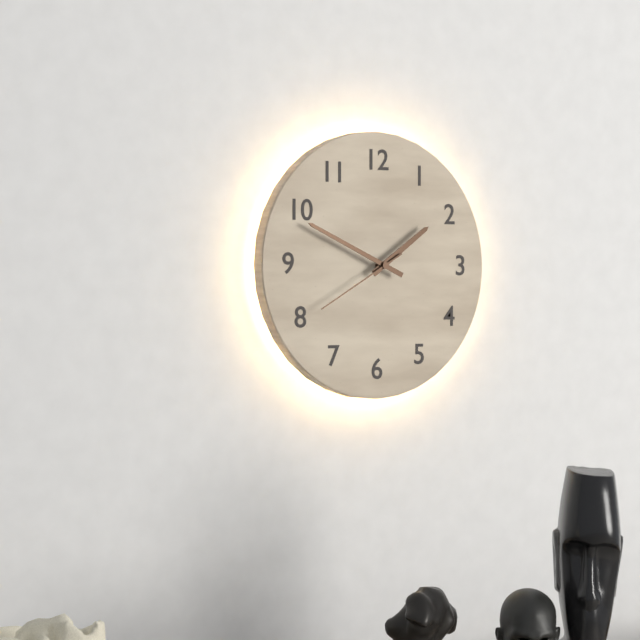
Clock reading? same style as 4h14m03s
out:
1h49m40s
